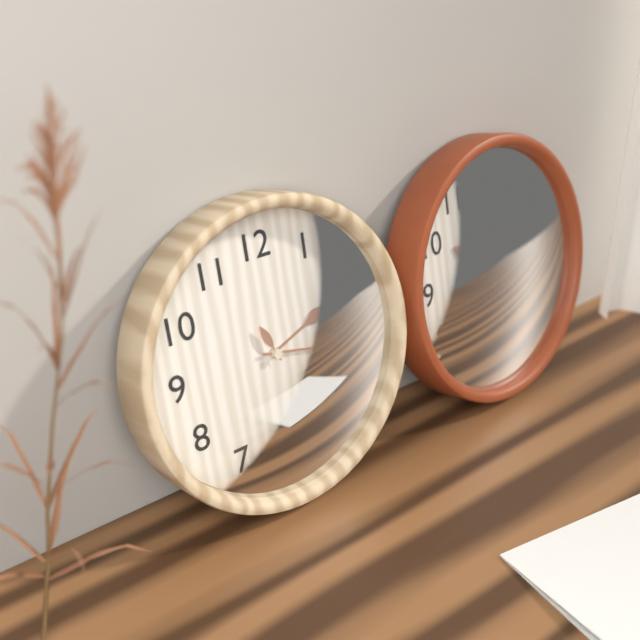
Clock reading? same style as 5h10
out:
2h17
